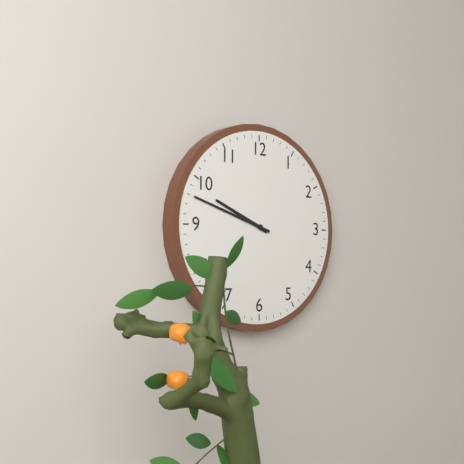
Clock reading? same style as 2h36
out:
9h48
